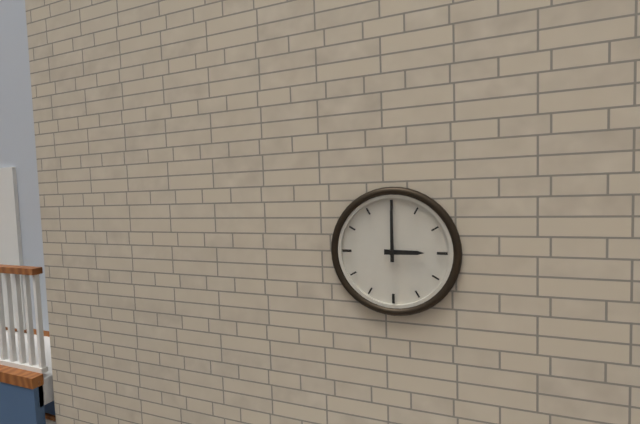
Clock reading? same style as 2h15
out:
3h00
